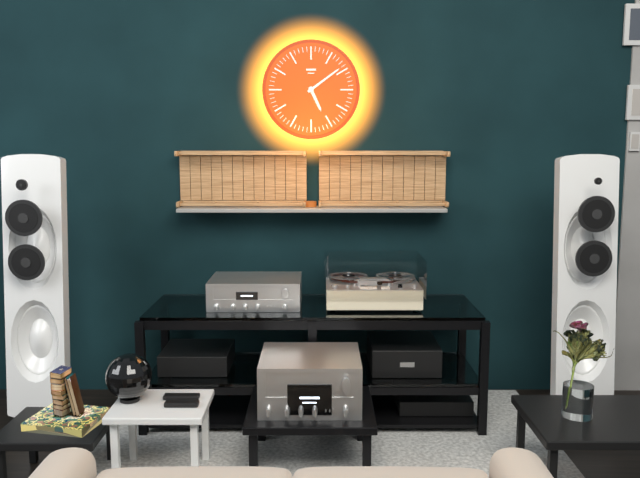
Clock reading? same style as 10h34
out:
5h09
